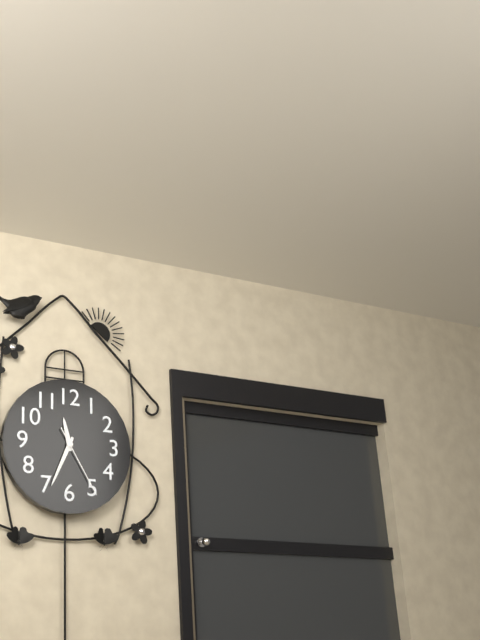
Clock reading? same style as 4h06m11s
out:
11h34m25s
